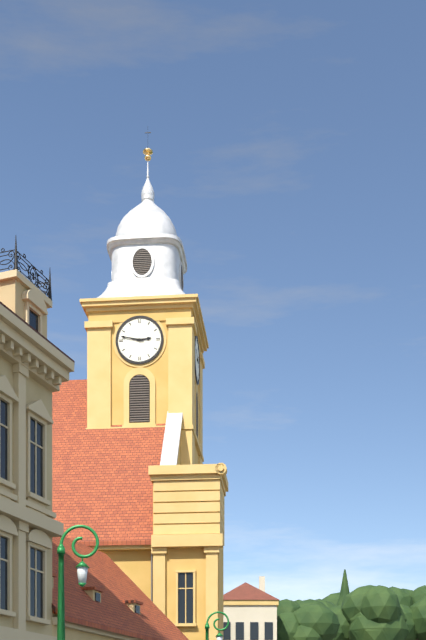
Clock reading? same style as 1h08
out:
2h47
